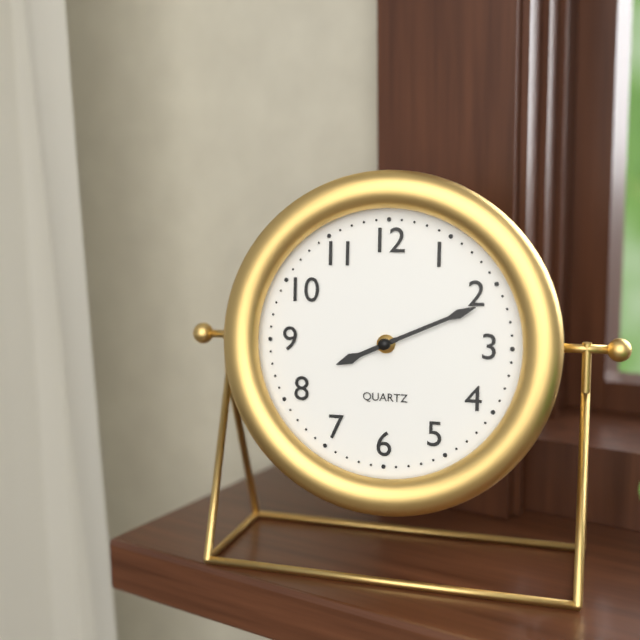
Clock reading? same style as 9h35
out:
8h11
